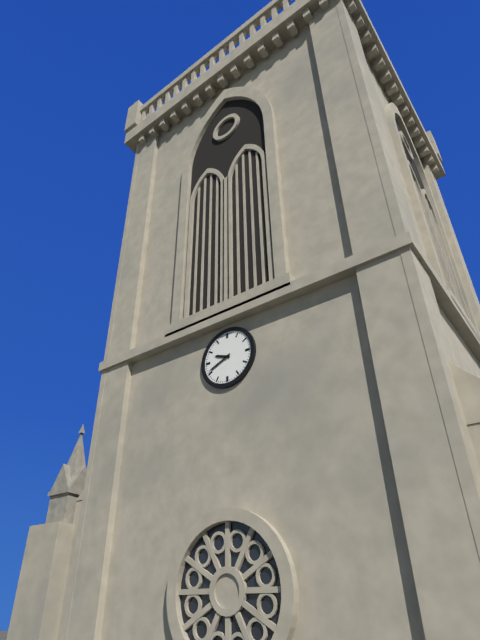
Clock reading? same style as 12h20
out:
9h41
